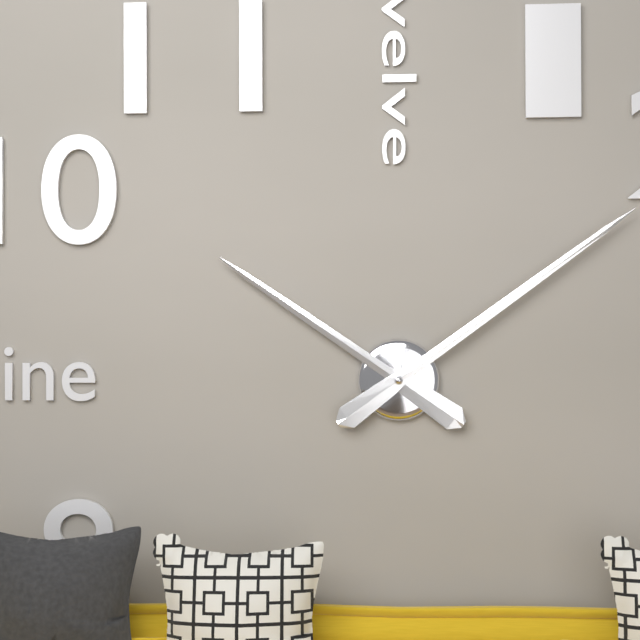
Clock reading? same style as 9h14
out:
10h09
